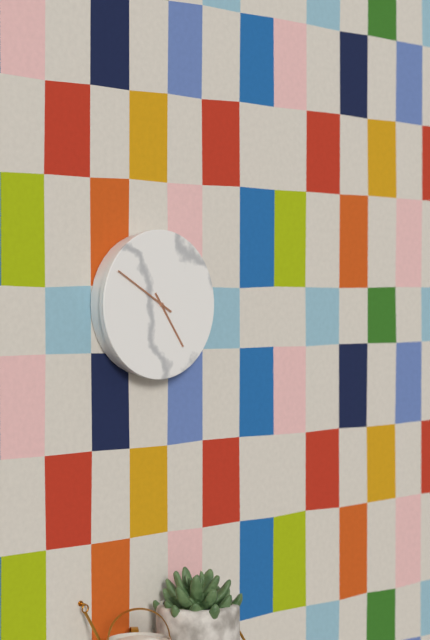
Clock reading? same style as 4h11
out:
4h50
